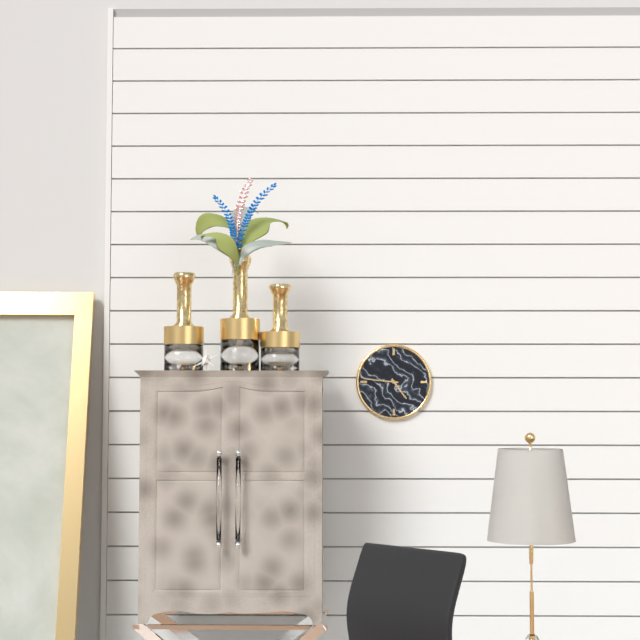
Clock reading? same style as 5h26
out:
4h46
